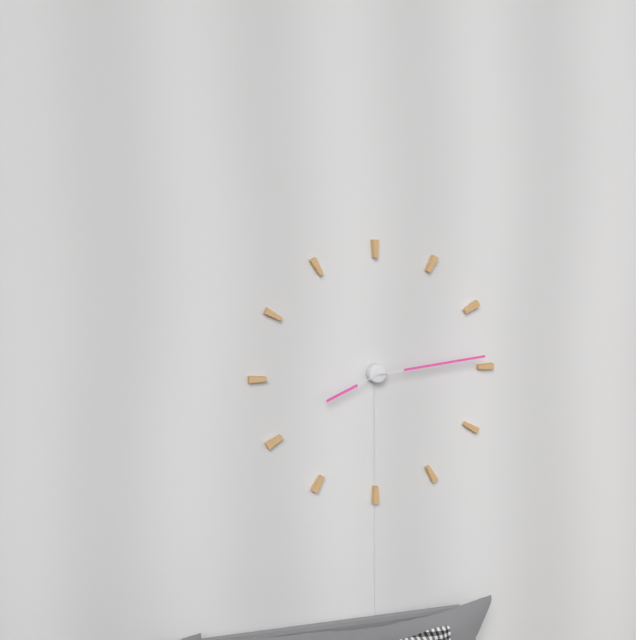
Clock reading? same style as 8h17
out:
8h14
